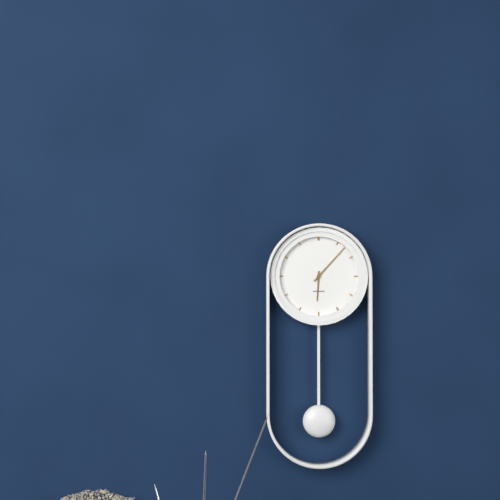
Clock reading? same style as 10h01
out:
6h07
